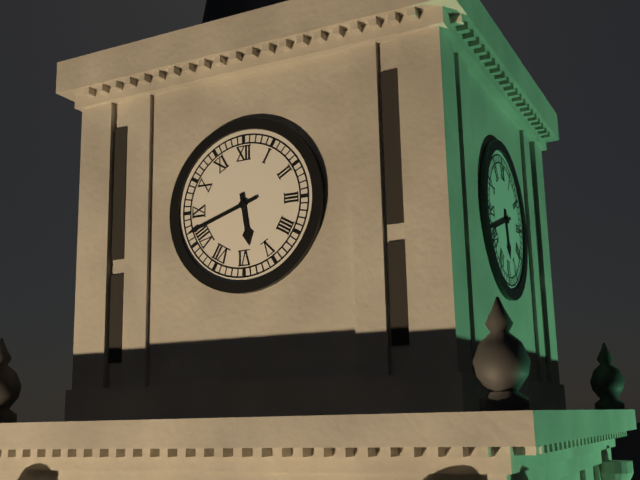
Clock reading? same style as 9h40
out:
5h42
